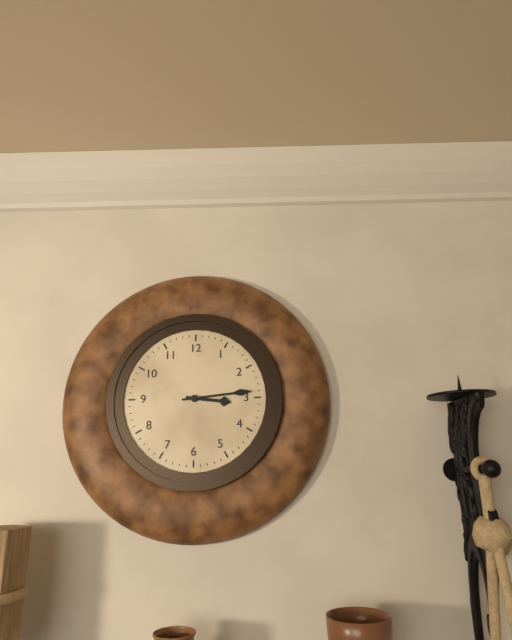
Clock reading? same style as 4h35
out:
3h14
